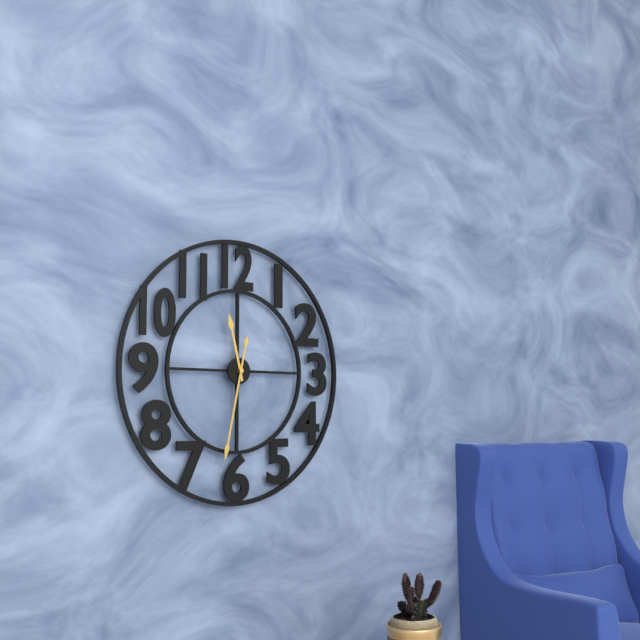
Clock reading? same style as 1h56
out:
11h32
